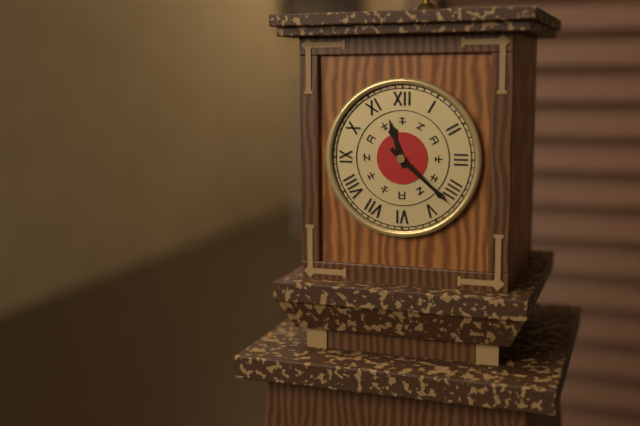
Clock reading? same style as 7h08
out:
11h22
